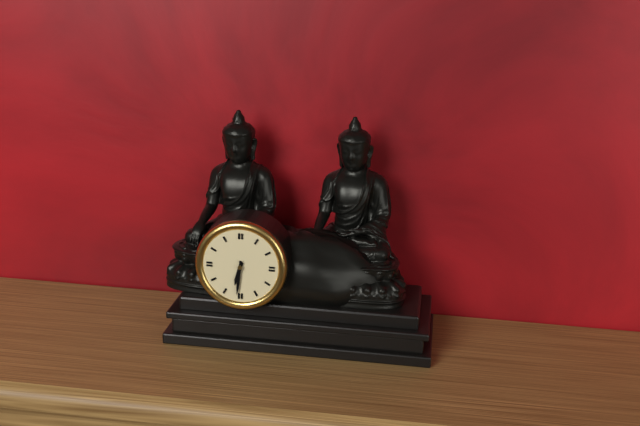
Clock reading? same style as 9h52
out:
6h31
